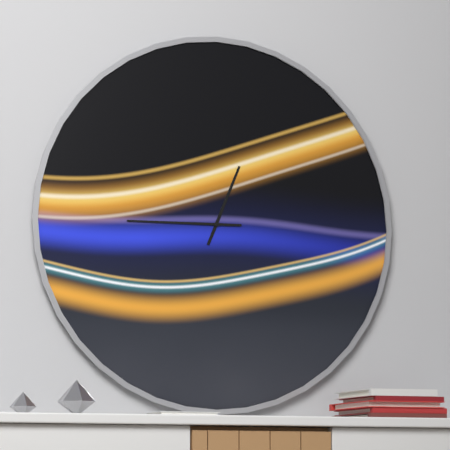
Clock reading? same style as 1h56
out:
12h45
